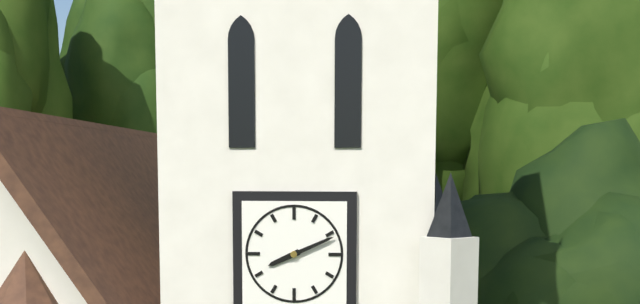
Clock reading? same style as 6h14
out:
8h11
